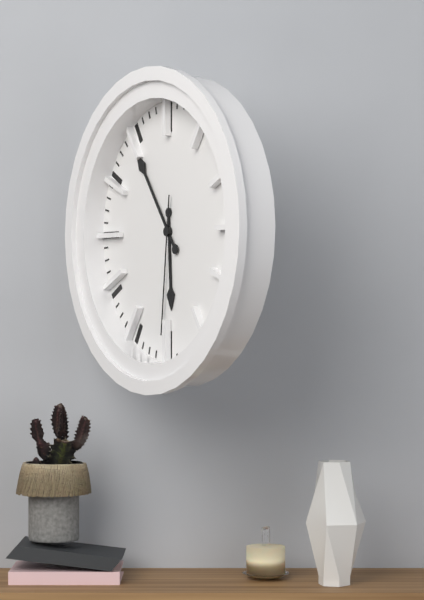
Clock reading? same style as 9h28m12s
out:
5h54m31s
